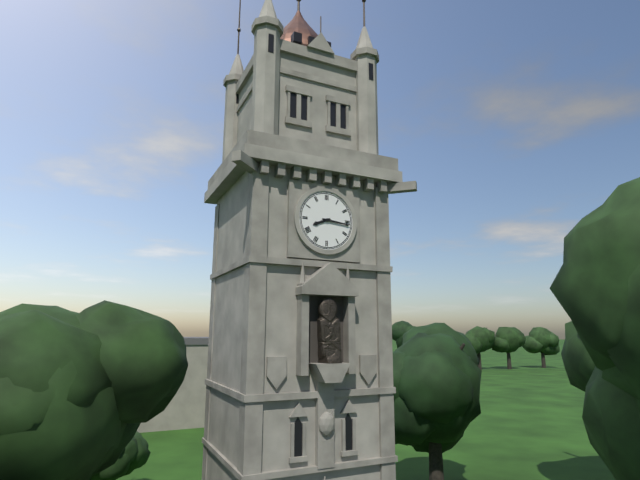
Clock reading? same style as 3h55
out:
8h16
